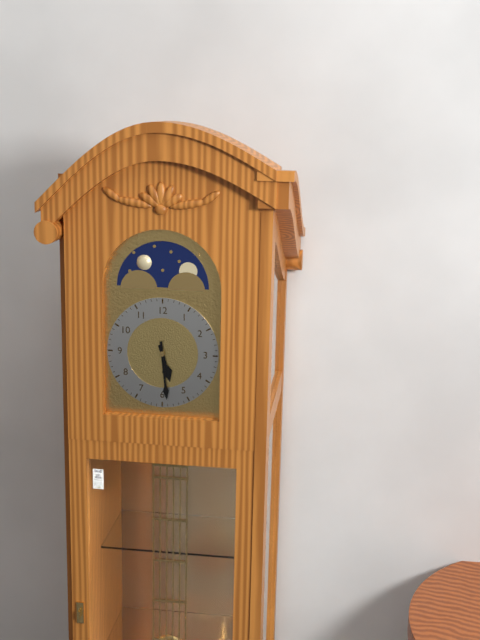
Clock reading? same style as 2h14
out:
5h29
